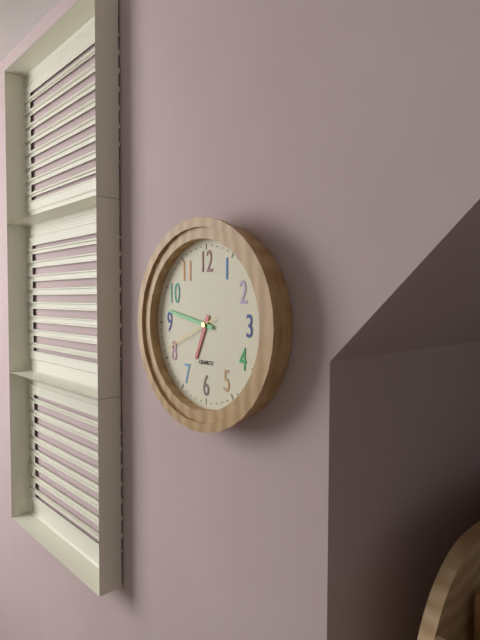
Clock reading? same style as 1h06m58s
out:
6h47m41s
